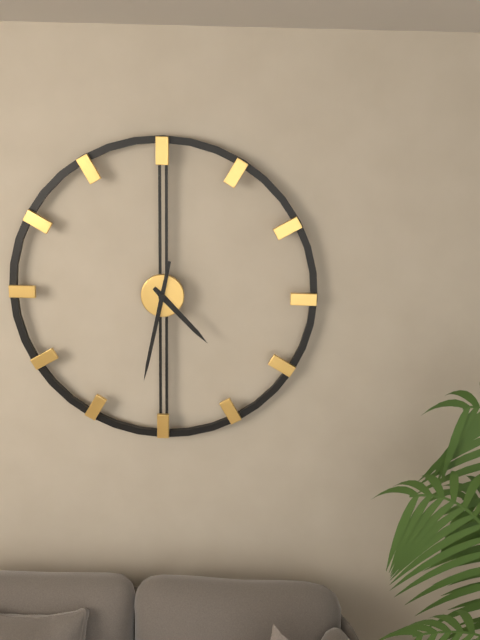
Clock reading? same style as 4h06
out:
4h32
